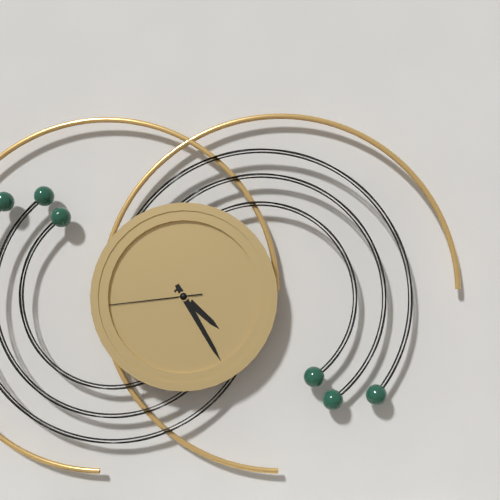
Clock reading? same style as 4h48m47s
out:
4h25m44s
